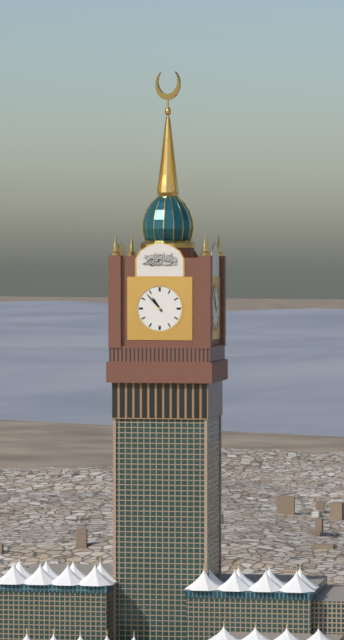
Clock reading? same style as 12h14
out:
10h53
